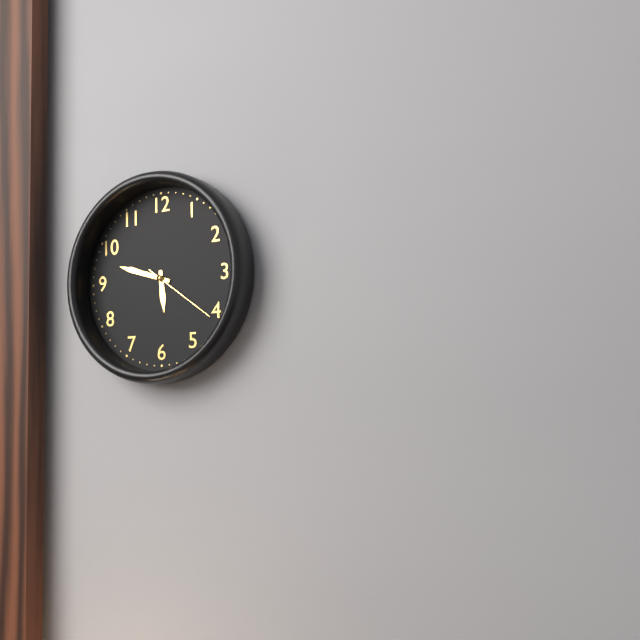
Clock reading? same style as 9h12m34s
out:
5h48m21s
